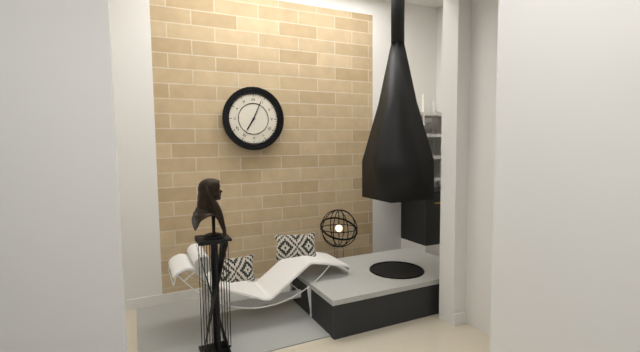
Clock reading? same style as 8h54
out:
7h04
